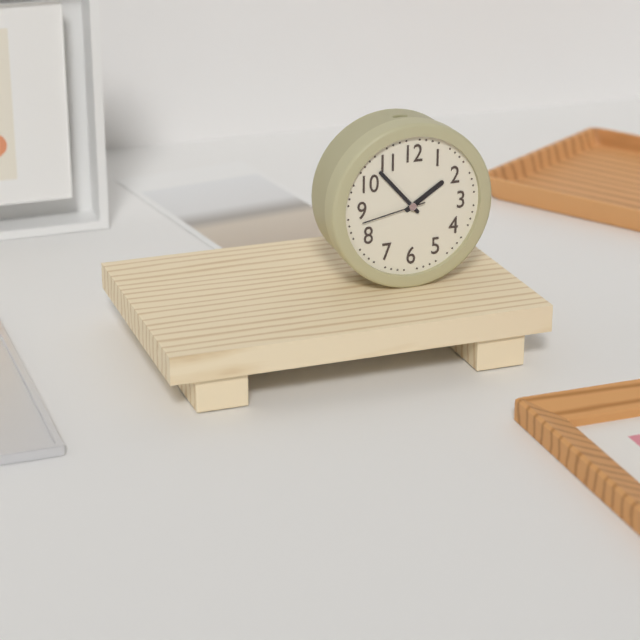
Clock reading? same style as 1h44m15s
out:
1h53m43s
